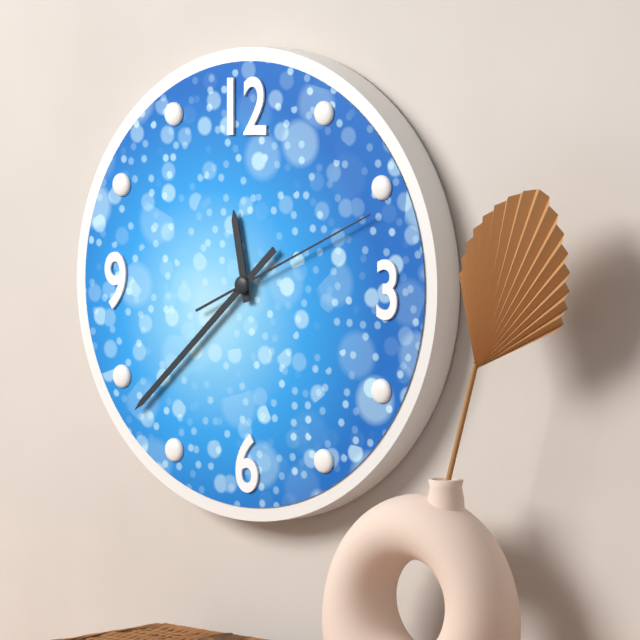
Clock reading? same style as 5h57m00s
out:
11h38m11s
